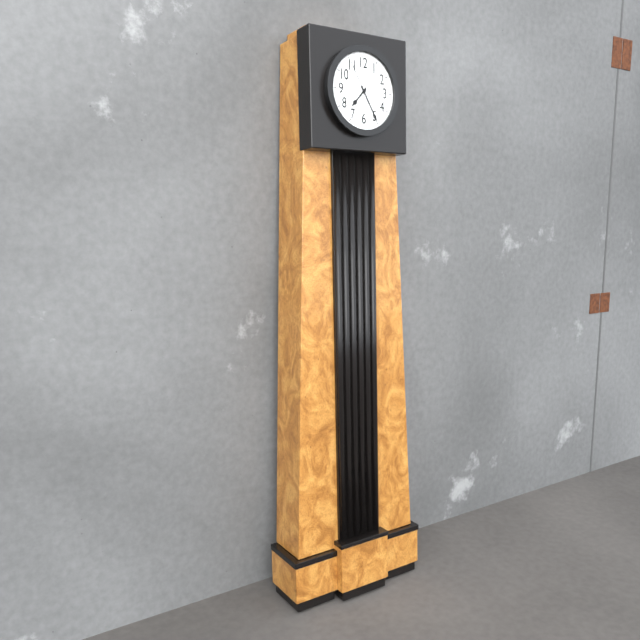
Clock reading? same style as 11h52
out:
7h25
